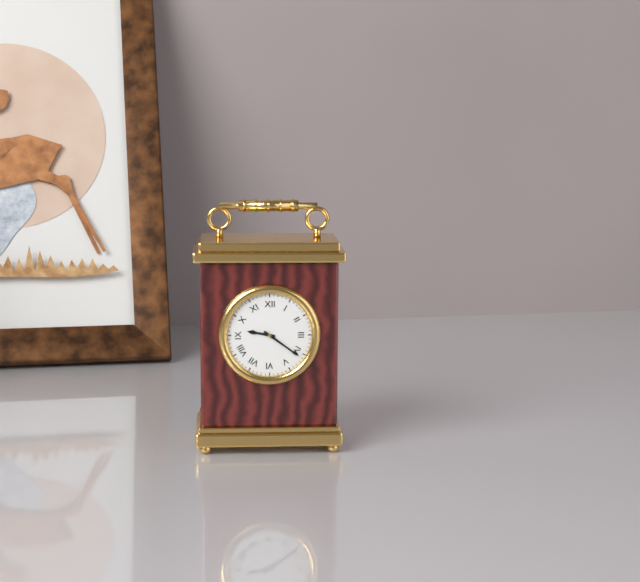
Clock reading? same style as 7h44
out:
9h21
